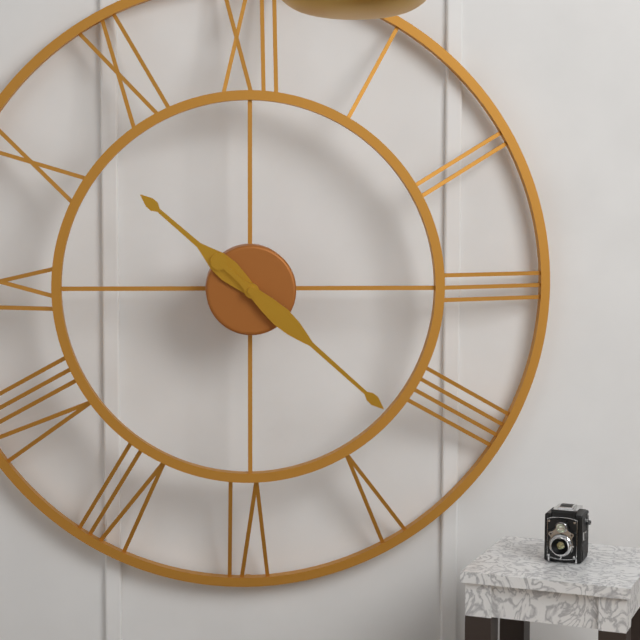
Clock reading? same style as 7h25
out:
10h22
